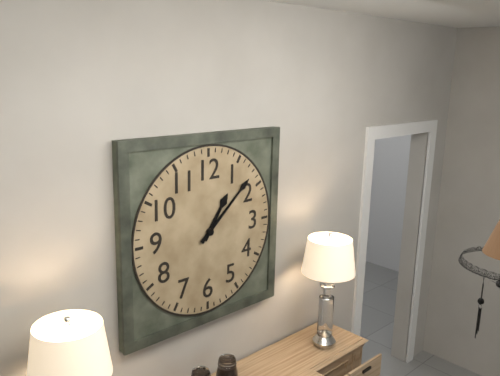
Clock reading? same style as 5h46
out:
1h08
